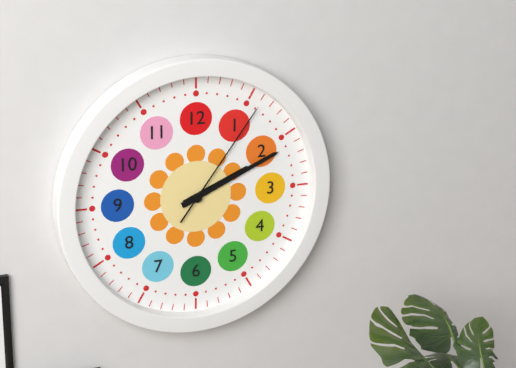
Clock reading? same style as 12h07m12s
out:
2h11m06s
